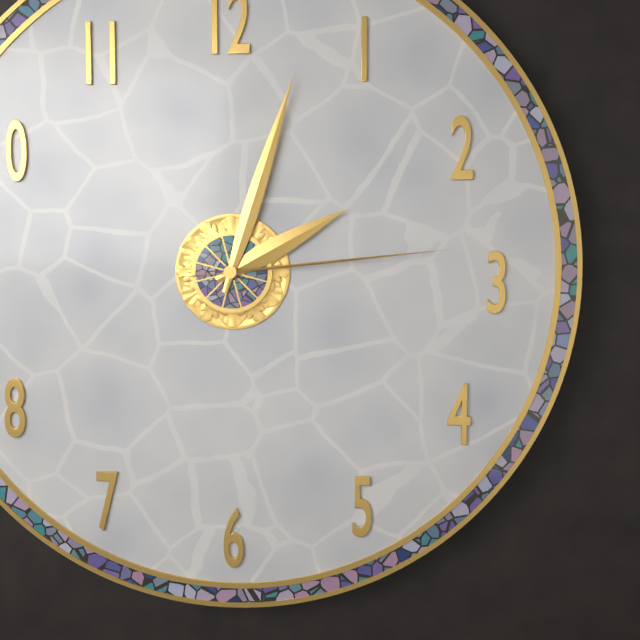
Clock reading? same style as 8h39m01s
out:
2h03m14s
